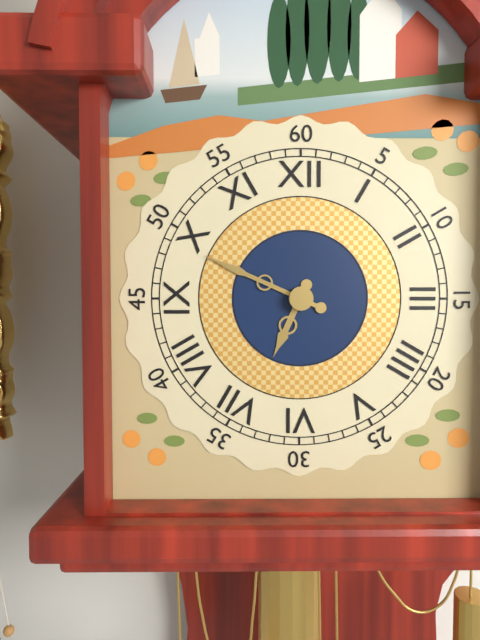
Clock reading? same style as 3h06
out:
6h49
